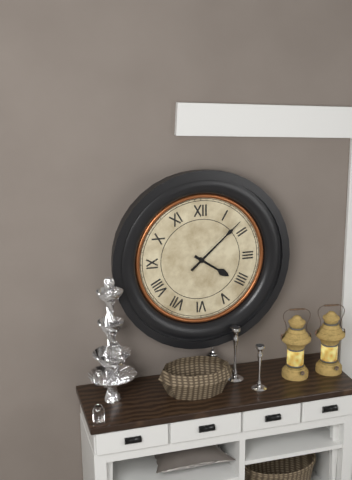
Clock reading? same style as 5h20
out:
4h08
